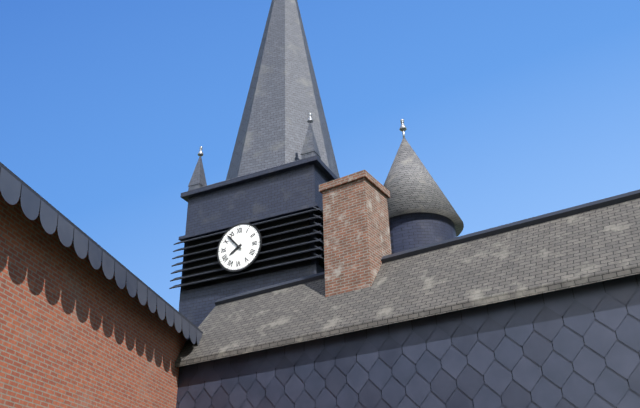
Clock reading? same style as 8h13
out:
7h53
